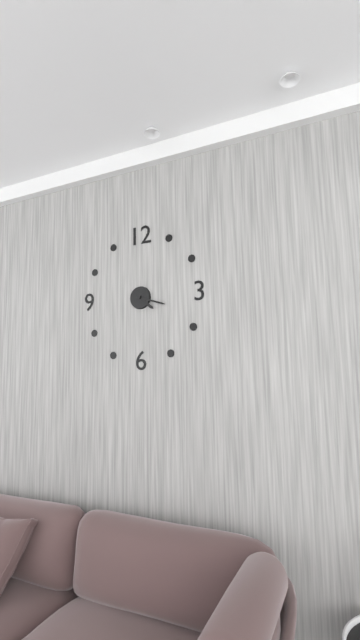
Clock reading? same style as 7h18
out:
4h18
